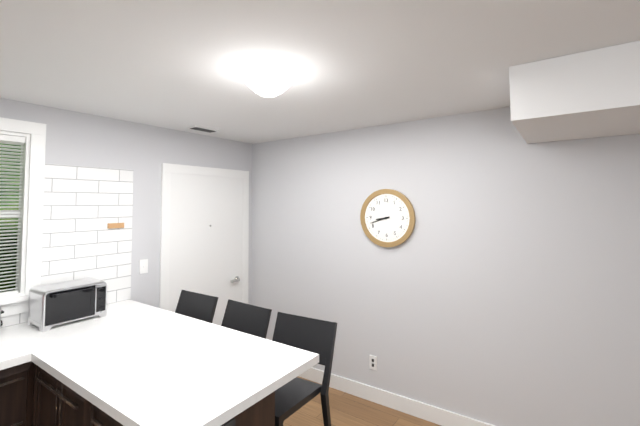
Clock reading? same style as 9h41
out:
8h42
